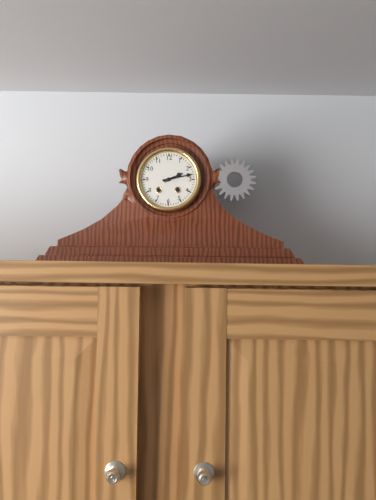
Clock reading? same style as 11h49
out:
2h13
